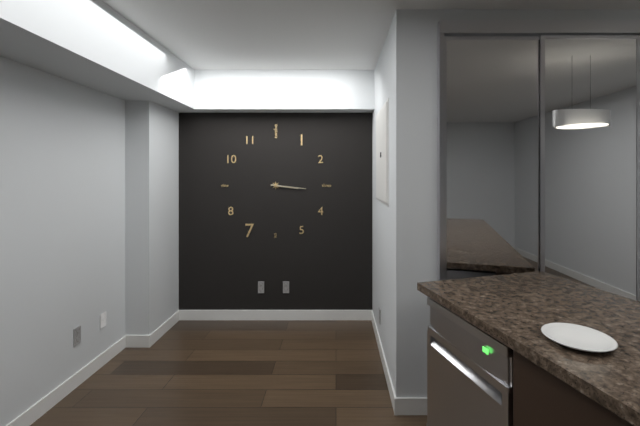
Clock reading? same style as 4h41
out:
3h16
